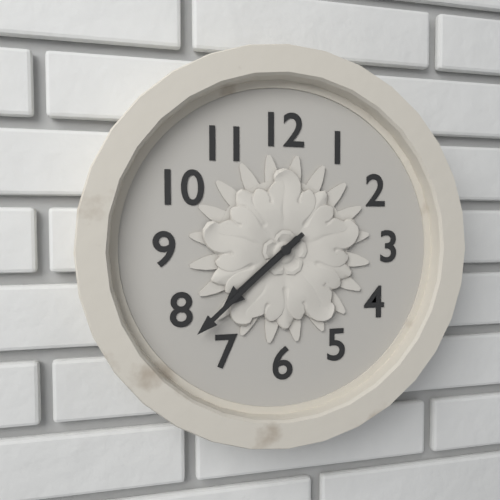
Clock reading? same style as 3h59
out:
7h38
